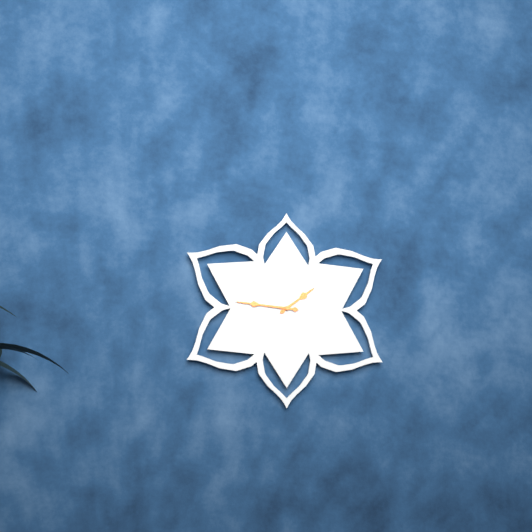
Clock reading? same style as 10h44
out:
1h46
